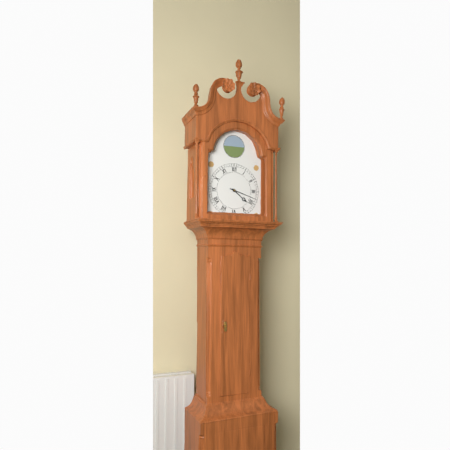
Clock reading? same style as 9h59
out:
4h18
